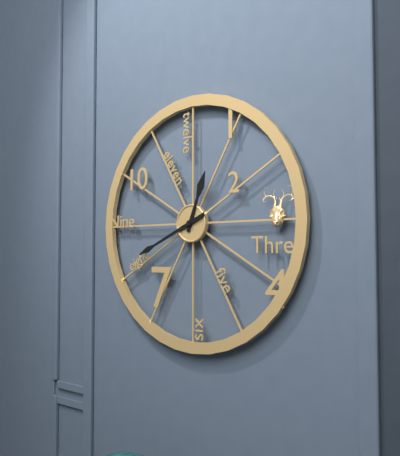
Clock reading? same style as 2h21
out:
12h41
